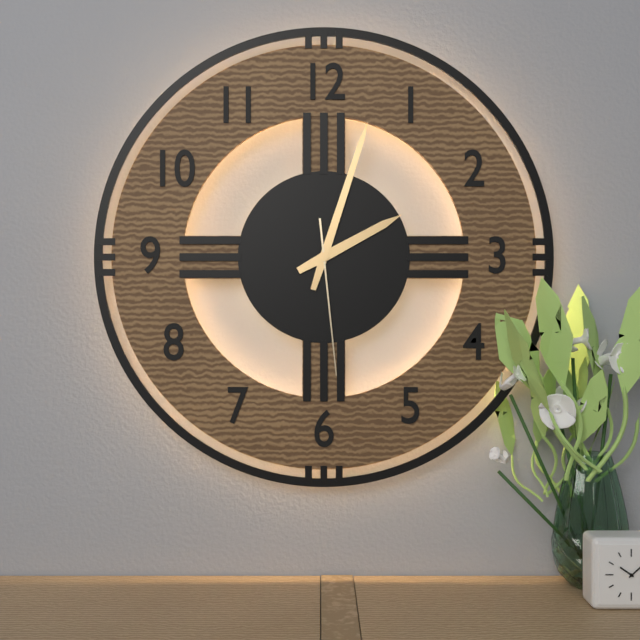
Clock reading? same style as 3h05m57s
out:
2h03m29s
